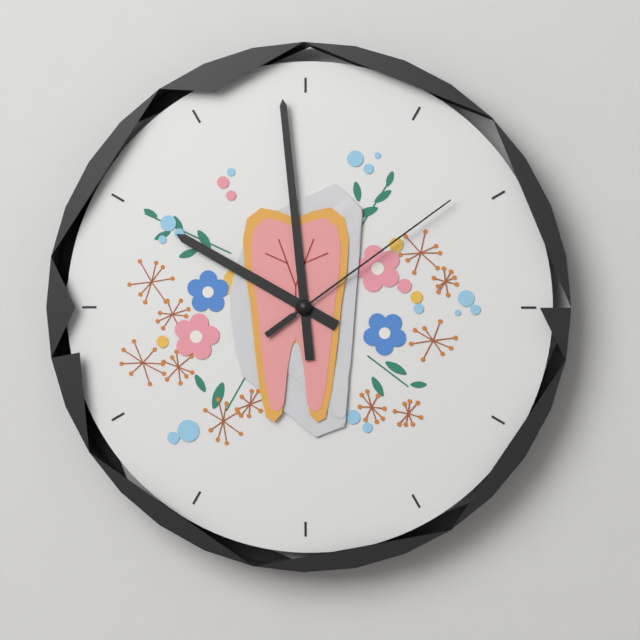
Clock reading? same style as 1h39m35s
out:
9h59m09s
